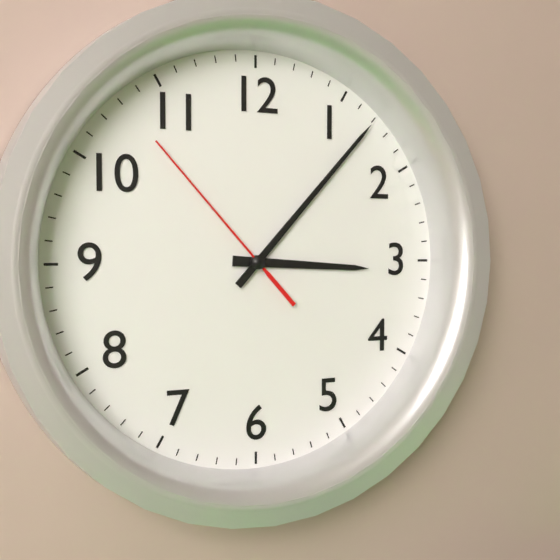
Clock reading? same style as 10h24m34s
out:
3h07m53s
